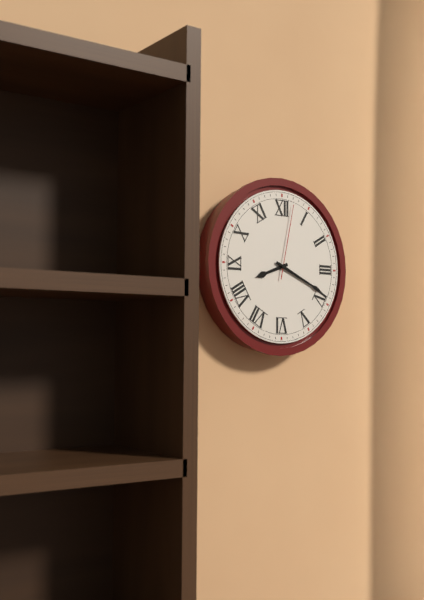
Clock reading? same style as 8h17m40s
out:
8h19m02s
